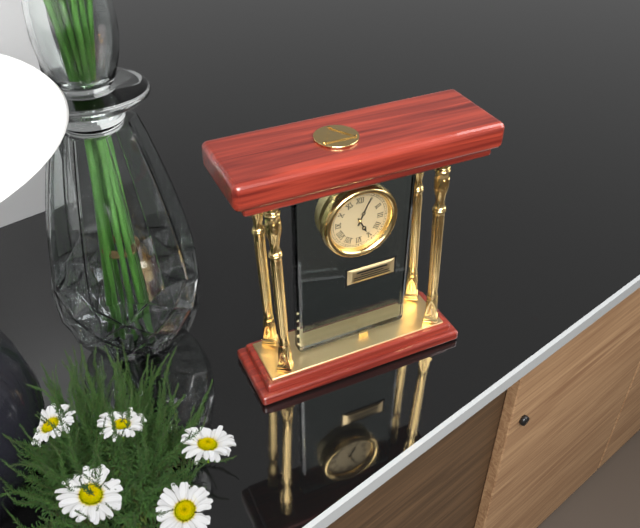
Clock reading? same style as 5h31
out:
5h04
